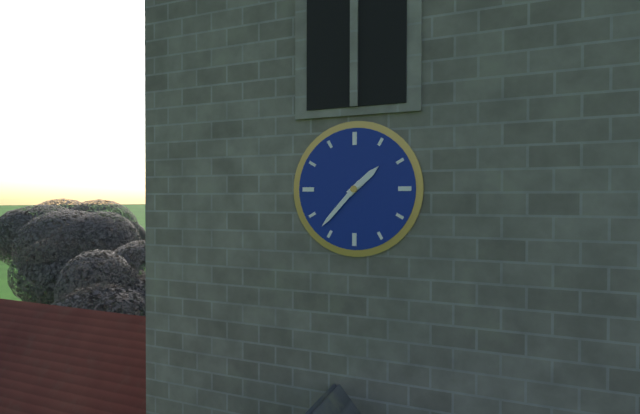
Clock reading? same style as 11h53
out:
1h37
